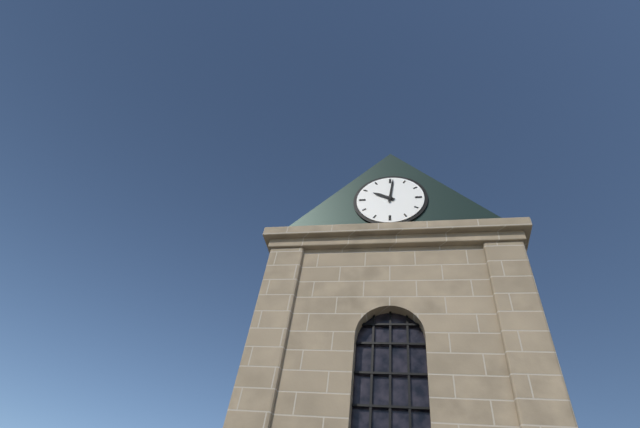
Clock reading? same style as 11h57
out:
10h01
